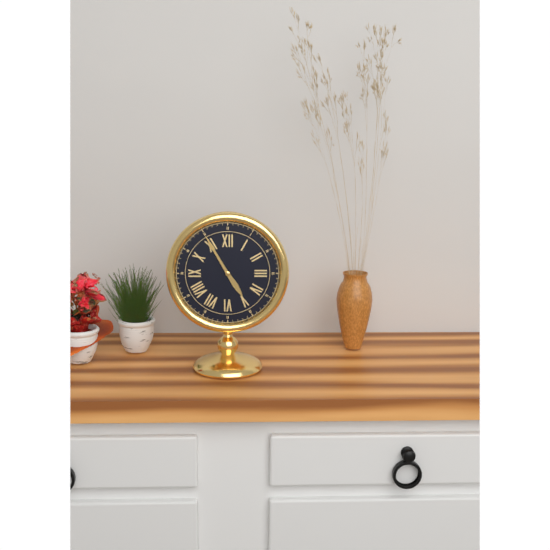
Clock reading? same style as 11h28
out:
4h55
